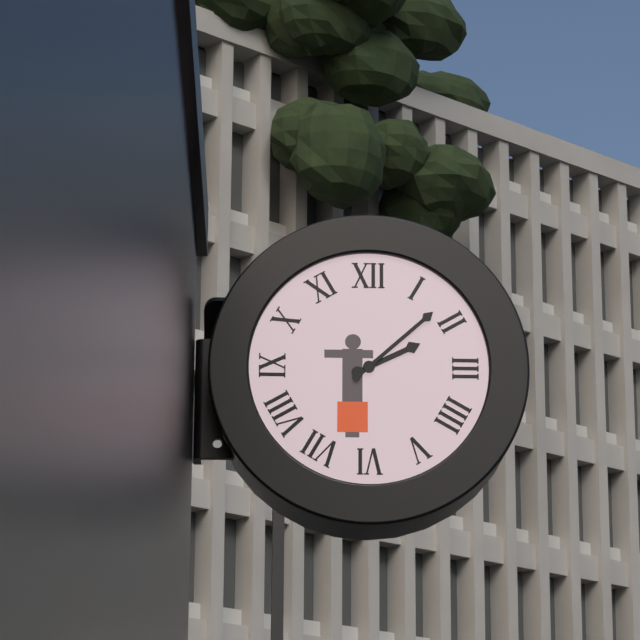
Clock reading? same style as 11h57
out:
2h08
